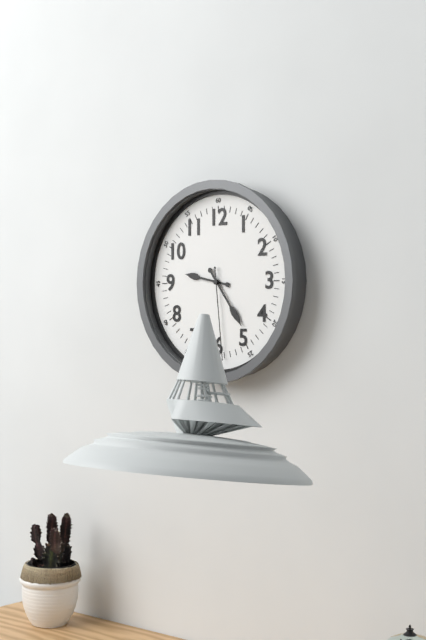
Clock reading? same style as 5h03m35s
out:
9h24m29s
